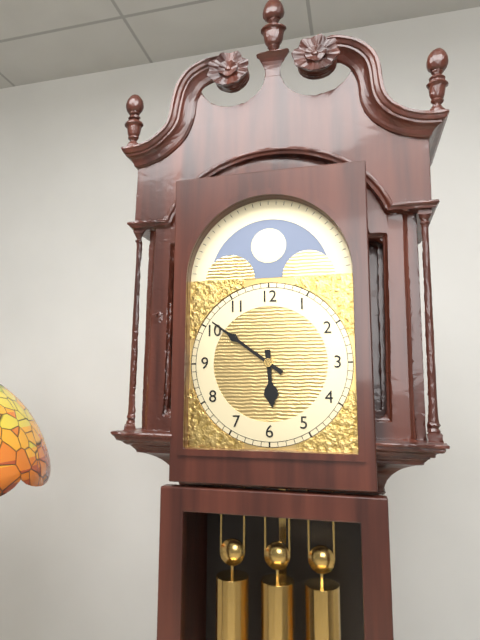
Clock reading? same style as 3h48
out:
5h51
